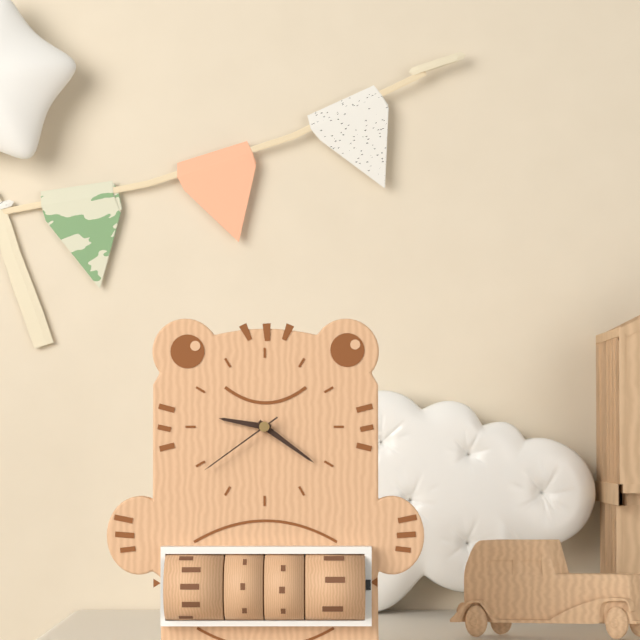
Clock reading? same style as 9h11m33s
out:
9h21m39s
